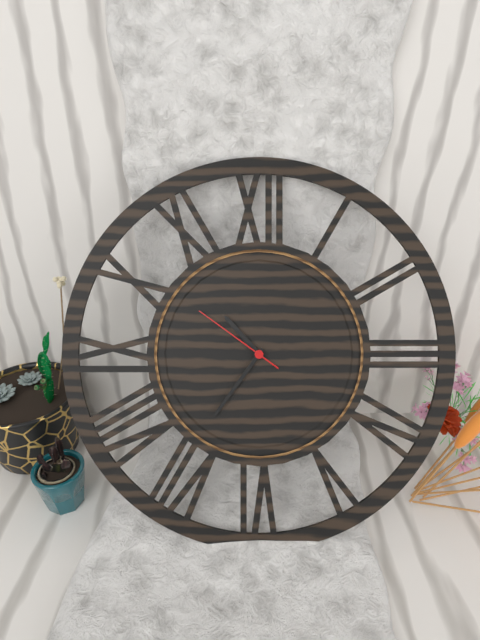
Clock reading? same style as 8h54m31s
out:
10h36m51s
